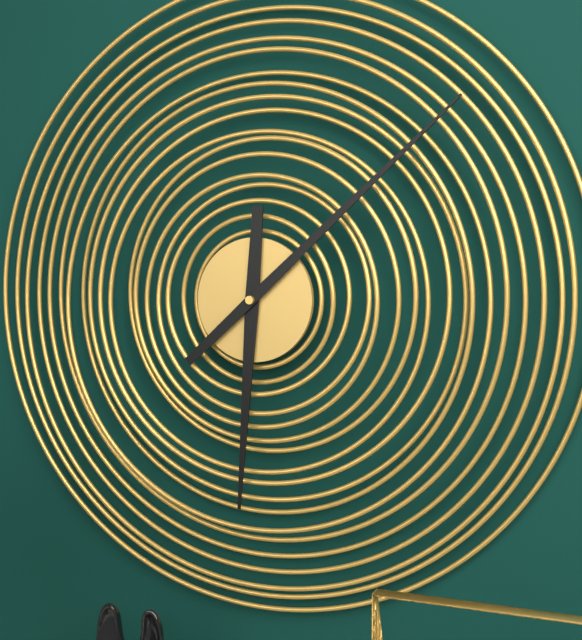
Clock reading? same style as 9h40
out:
6h08
